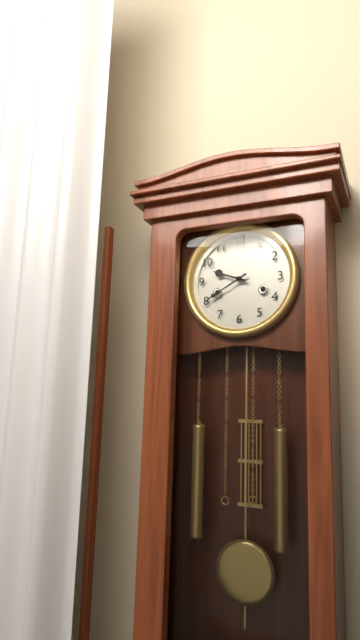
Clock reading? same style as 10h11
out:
9h40
